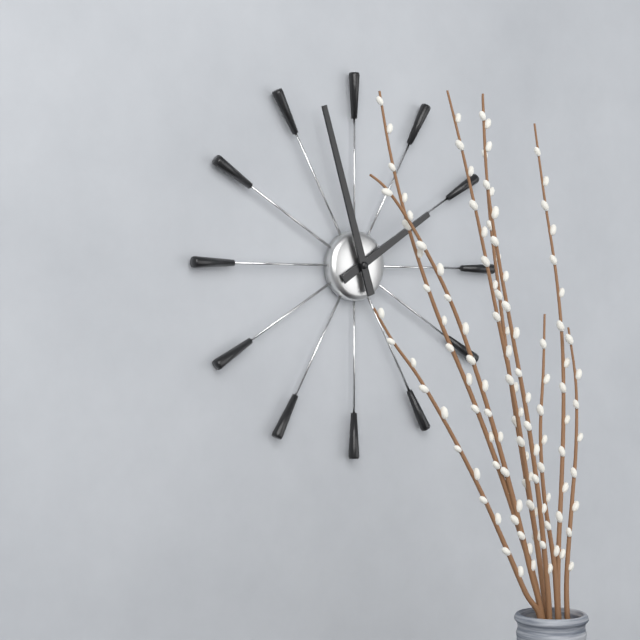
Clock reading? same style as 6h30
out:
1h57
